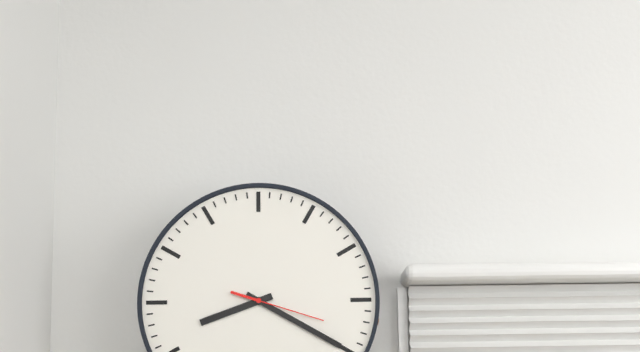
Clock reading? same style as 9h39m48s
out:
8h20m18s
